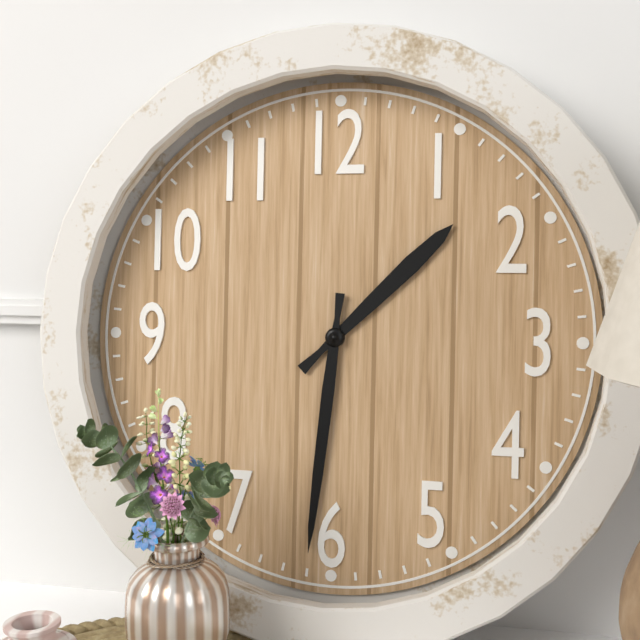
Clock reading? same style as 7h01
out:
1h31
